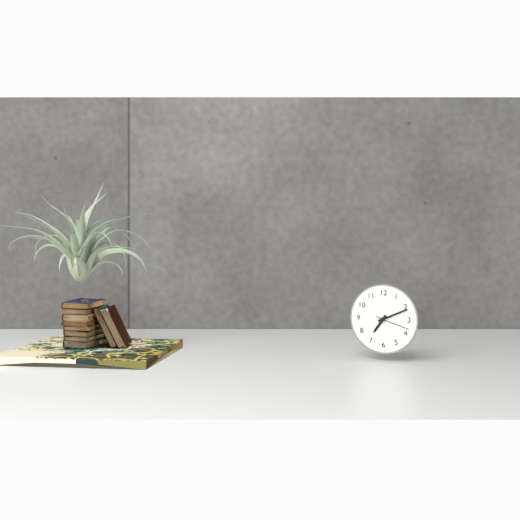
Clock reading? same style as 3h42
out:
7h11
